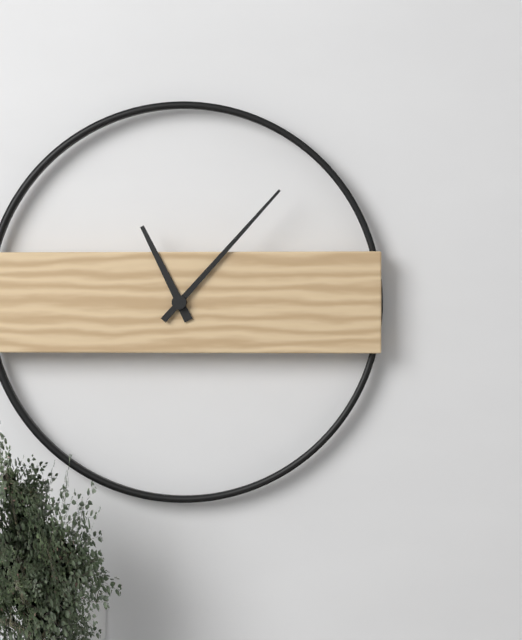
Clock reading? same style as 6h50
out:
11h07
